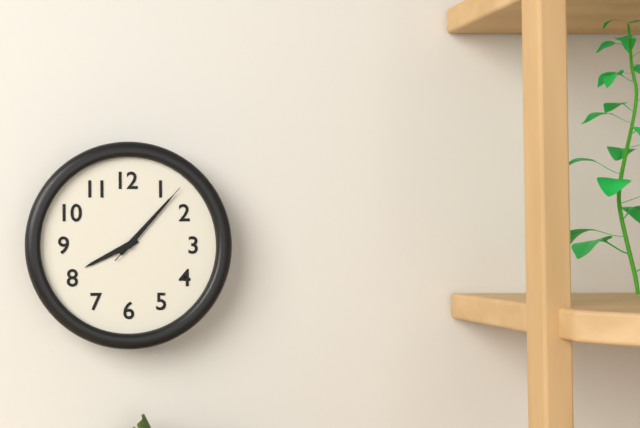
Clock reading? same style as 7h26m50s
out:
8h07m07s
